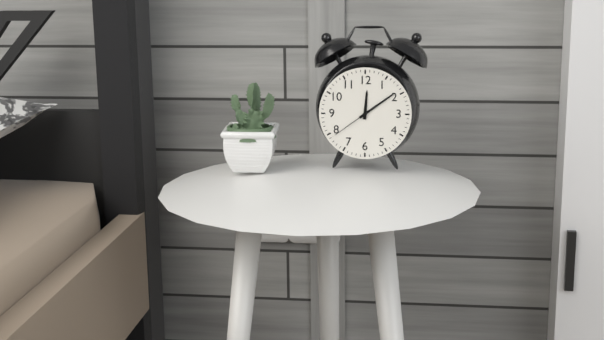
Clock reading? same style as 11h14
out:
12h09
